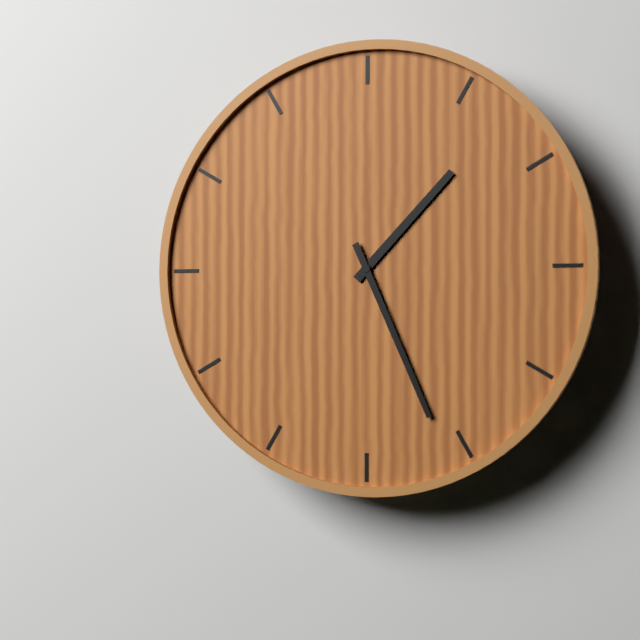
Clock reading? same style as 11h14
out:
1h26
